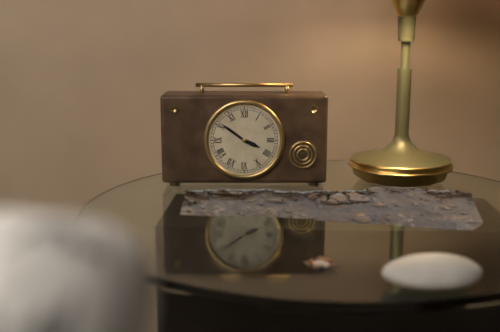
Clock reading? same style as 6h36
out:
3h51
